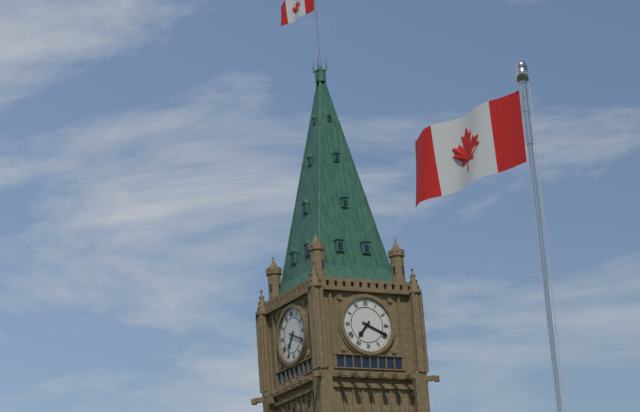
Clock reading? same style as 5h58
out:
7h19
